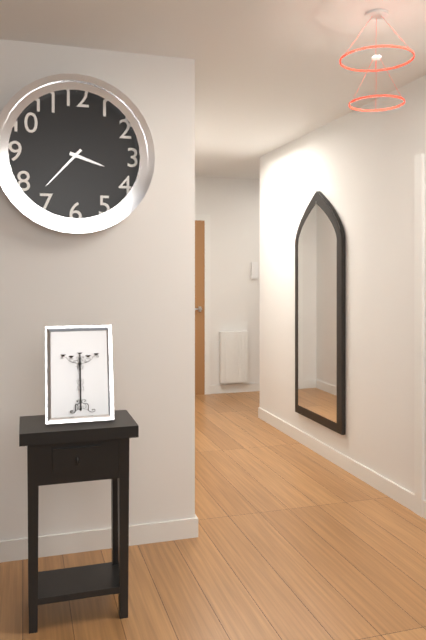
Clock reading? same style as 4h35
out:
3h37
